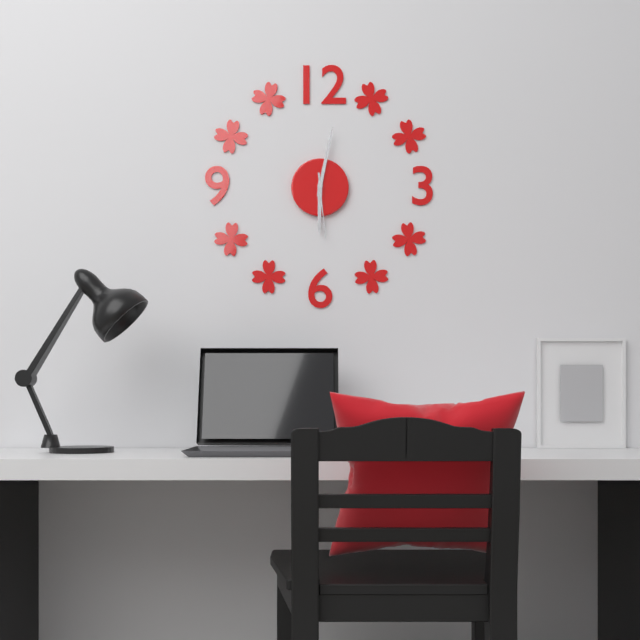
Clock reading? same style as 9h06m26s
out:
6h02m29s
